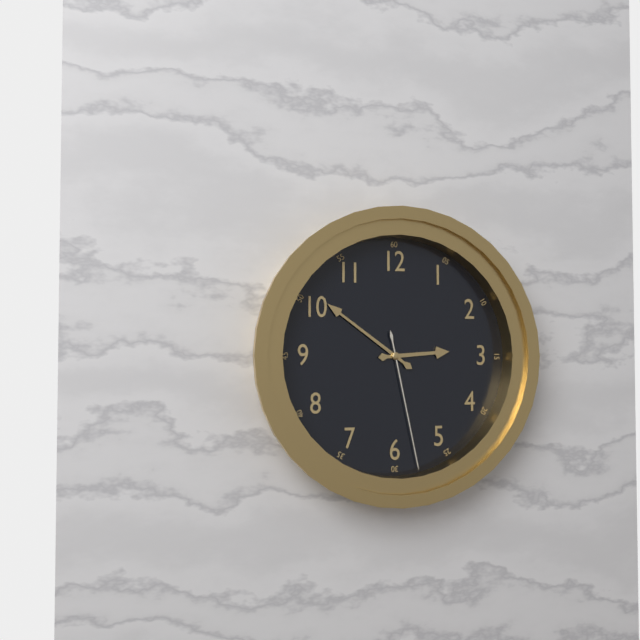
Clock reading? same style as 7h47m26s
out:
2h51m28s
